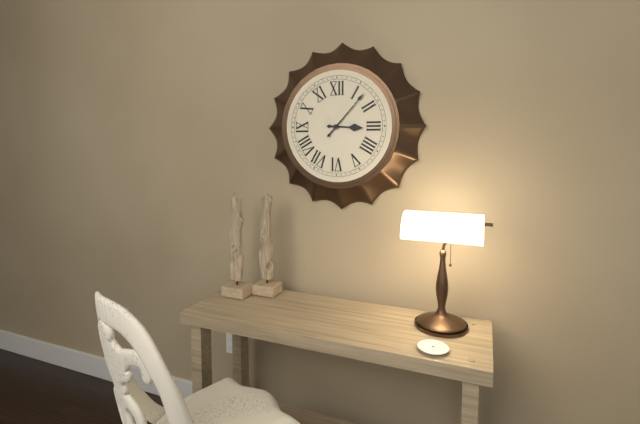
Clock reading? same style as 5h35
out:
3h07
